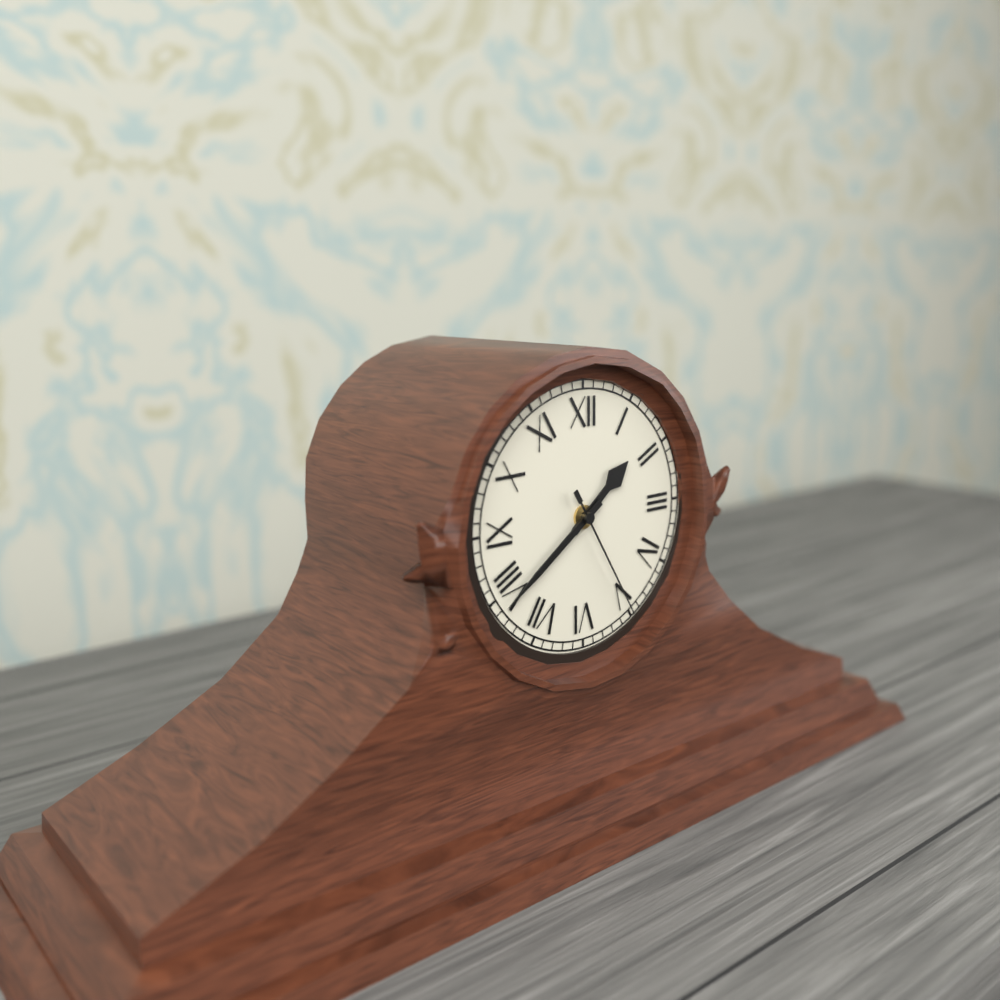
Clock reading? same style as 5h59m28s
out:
1h39m25s
